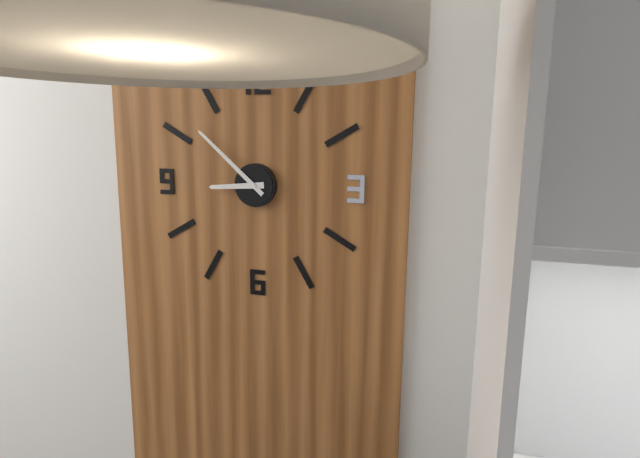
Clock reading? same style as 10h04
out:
8h52
